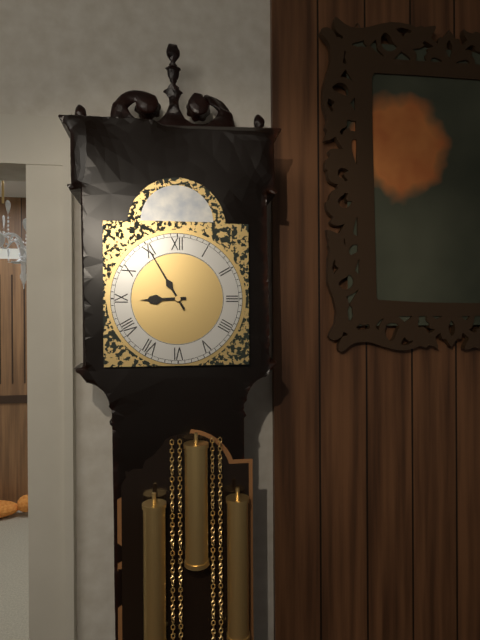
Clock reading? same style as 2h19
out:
8h55
